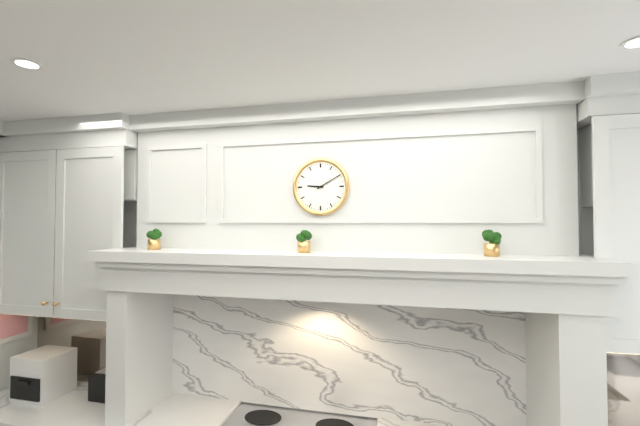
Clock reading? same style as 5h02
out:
9h10
